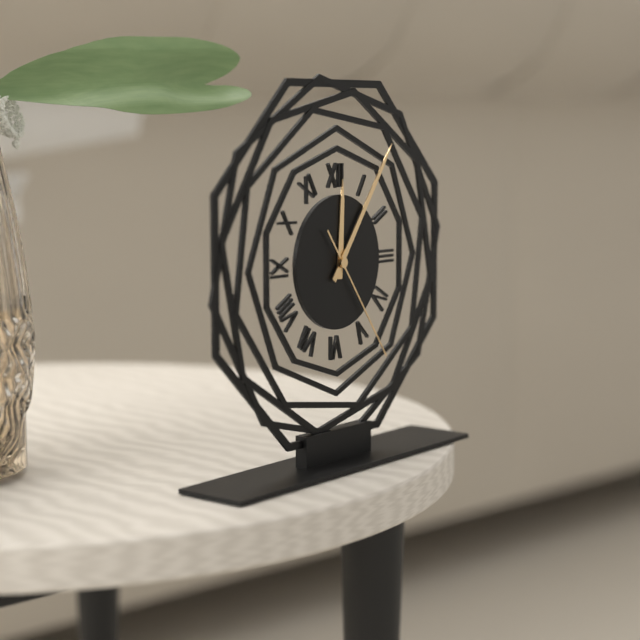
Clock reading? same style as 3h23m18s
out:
12h06m24s
